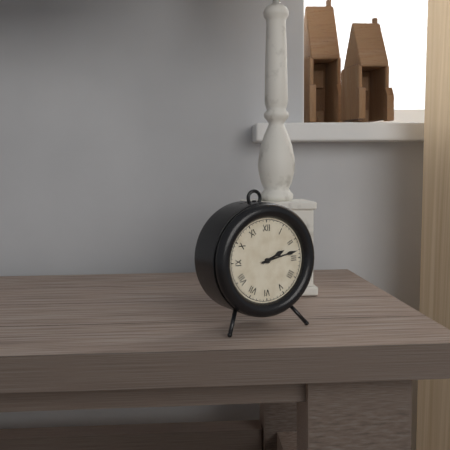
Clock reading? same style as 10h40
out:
2h13
